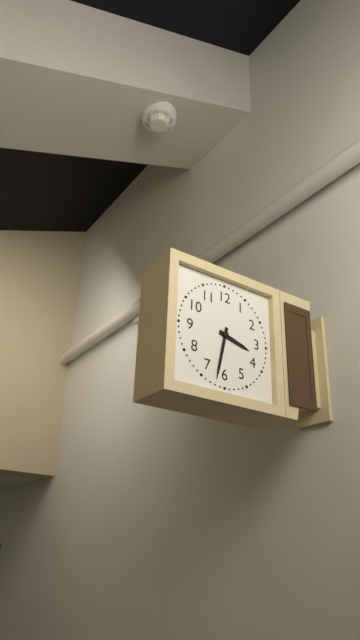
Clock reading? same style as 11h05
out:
3h32
